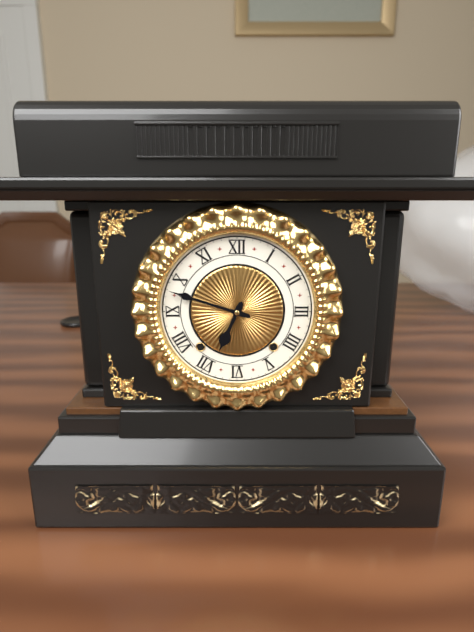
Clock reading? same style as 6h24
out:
6h48
